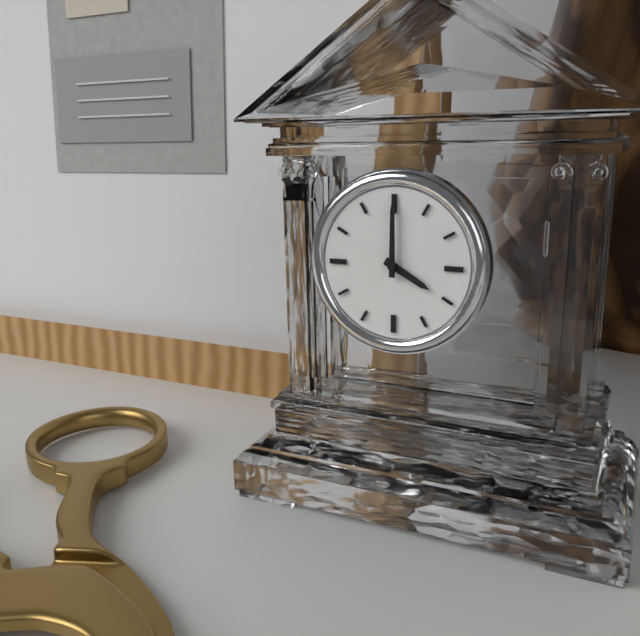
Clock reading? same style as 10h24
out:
4h00
